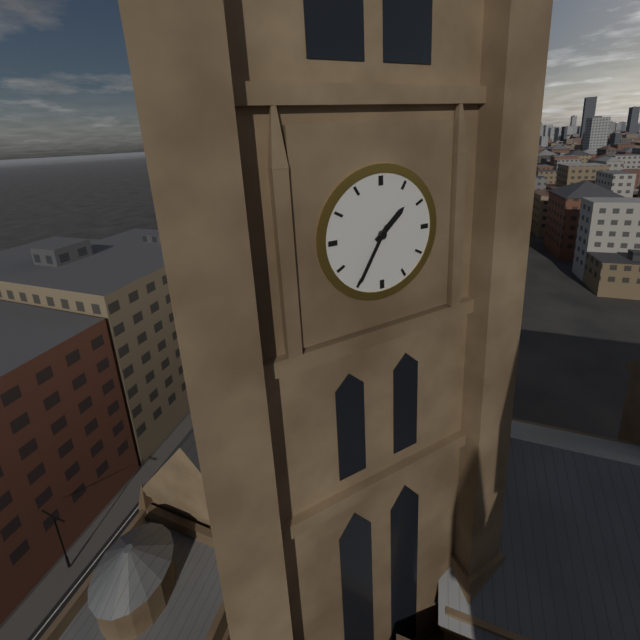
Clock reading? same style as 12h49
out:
1h35
